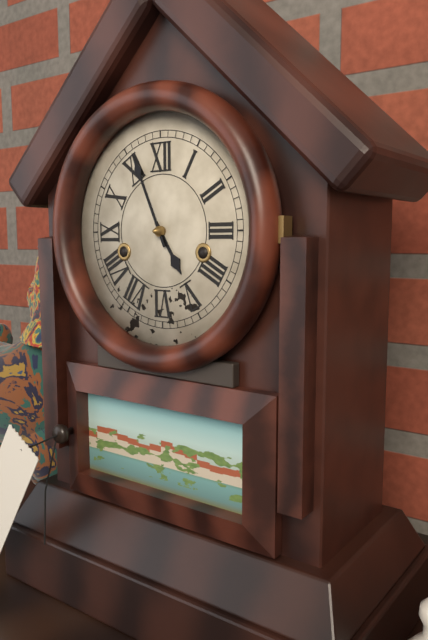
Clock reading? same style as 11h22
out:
4h56
